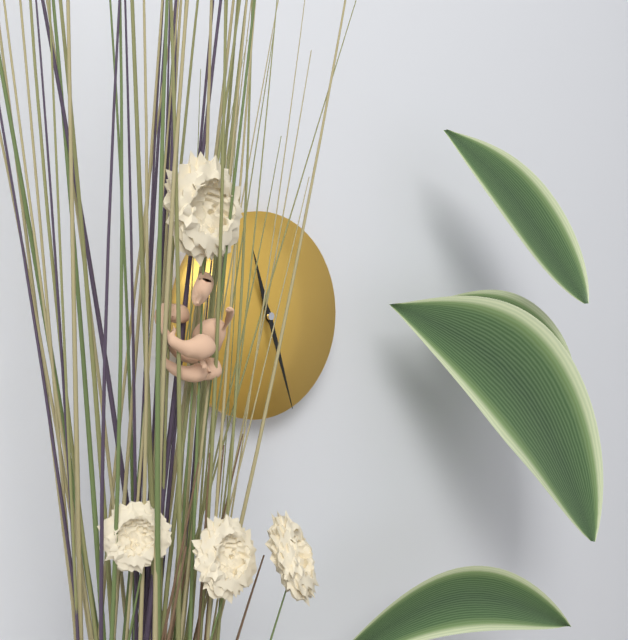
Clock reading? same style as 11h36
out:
11h27
